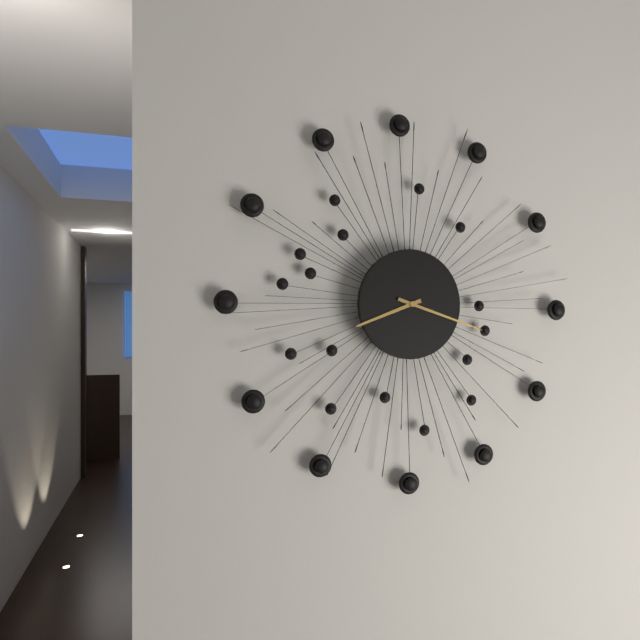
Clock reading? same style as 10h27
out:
8h18
